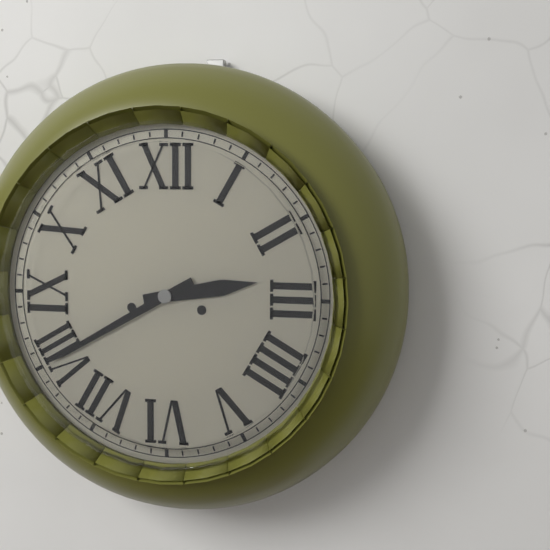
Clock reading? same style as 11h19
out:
2h40
